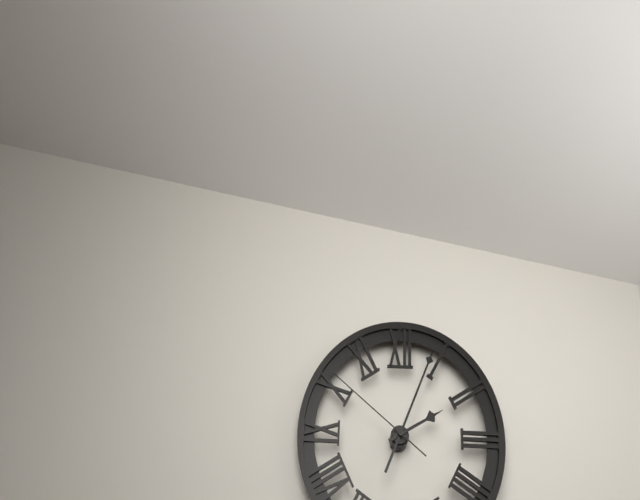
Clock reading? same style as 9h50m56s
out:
2h04m51s
